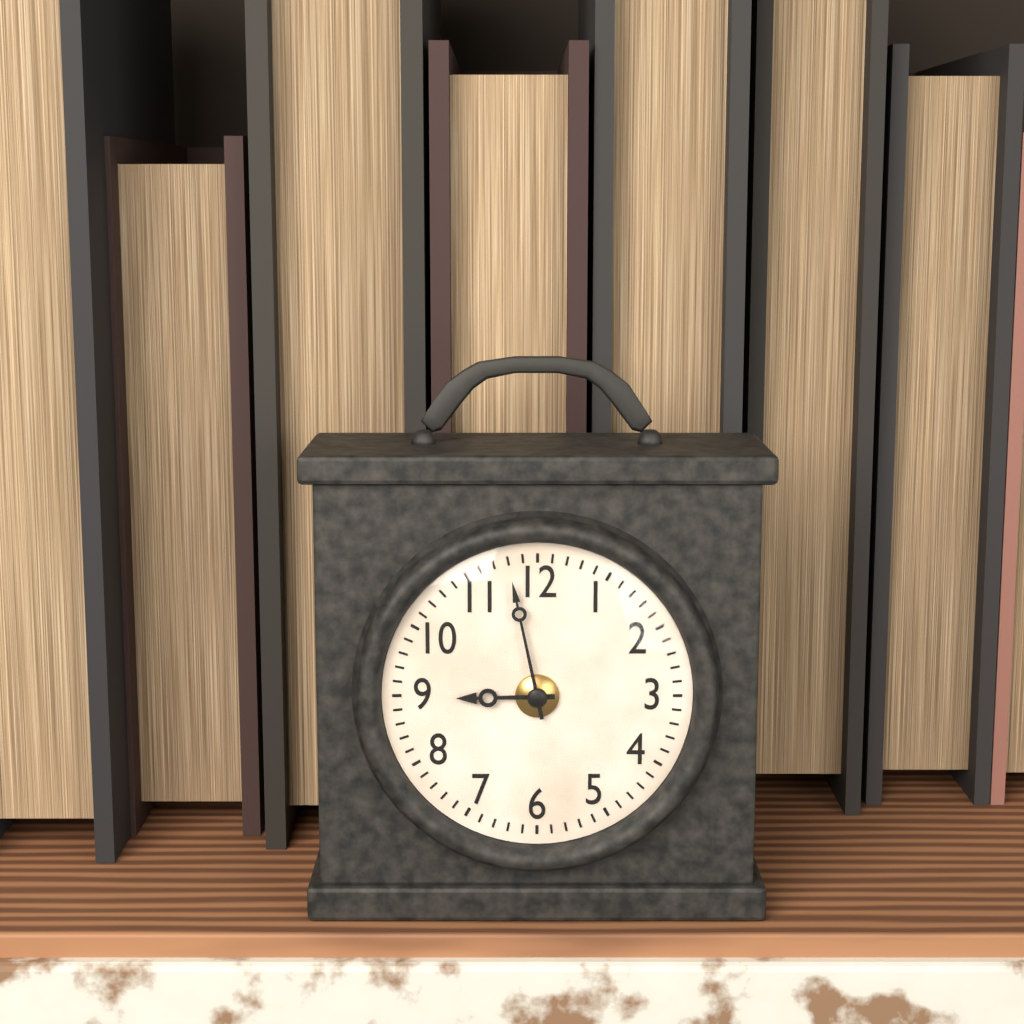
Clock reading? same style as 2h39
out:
8h58
